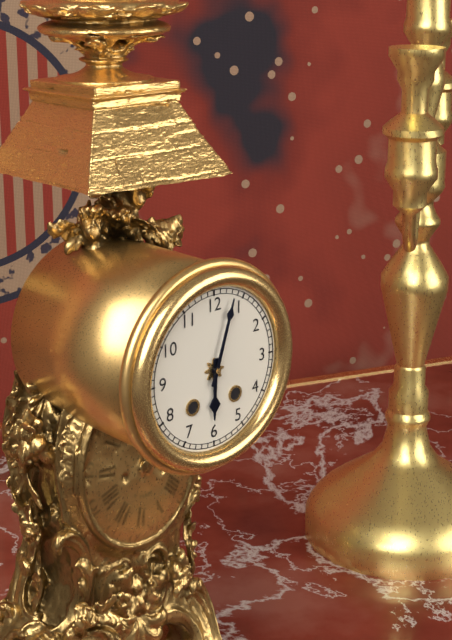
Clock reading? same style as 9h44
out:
6h03
